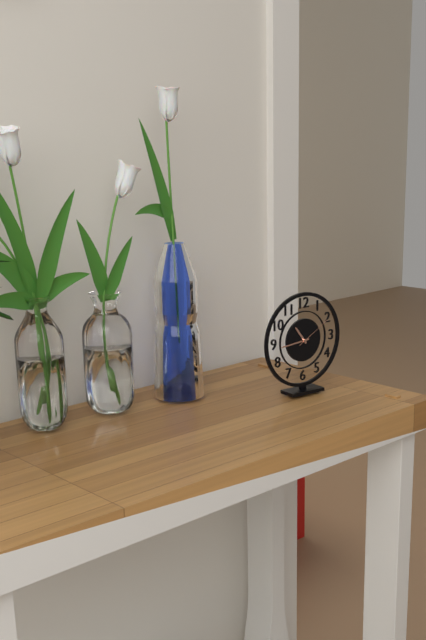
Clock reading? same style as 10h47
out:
10h44
